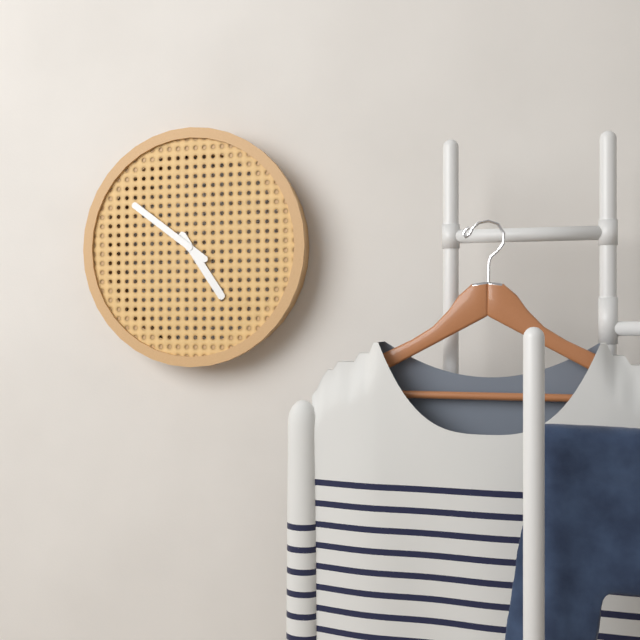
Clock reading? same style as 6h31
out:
4h51
